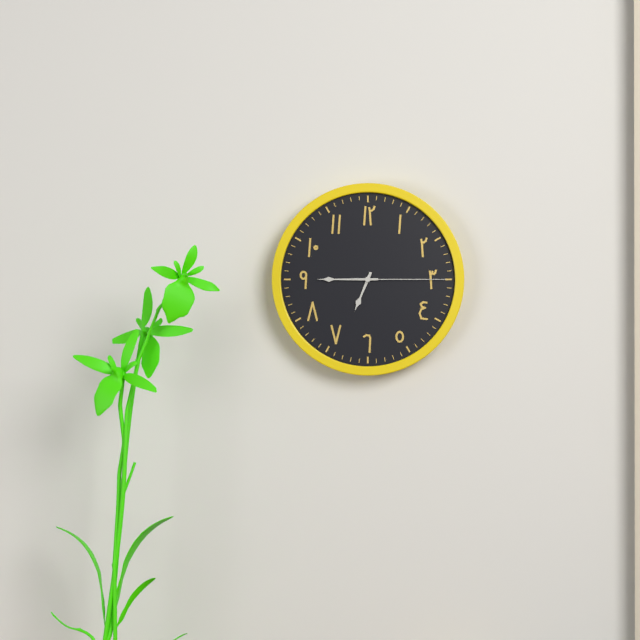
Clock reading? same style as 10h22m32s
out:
6h45m15s
